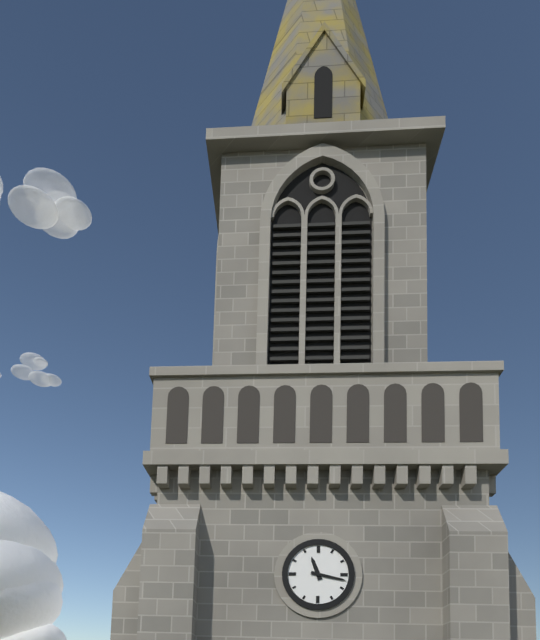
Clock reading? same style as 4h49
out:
11h17
